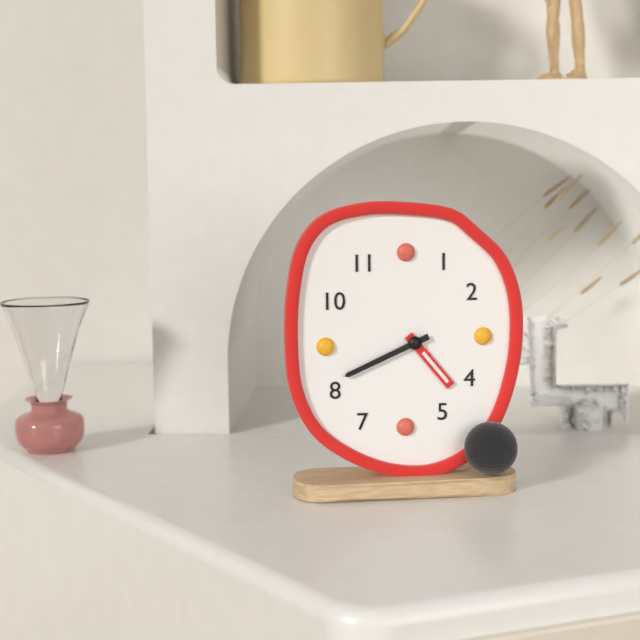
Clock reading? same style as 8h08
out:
4h41
